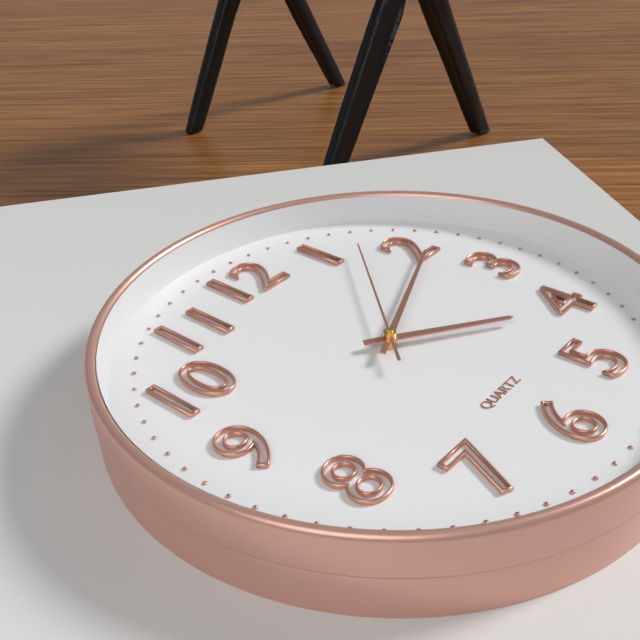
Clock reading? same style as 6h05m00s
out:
4h11m07s
